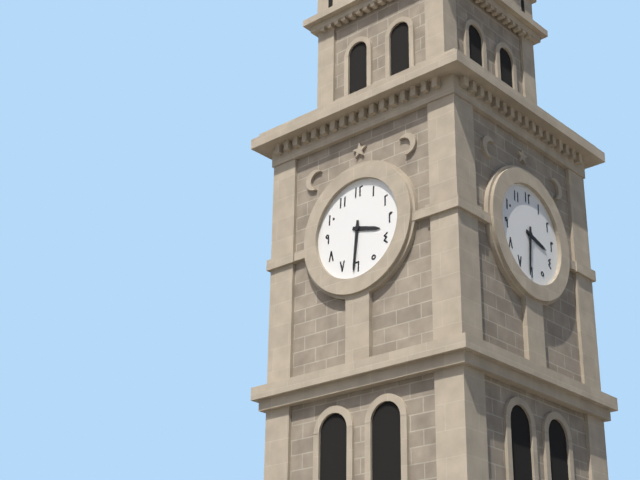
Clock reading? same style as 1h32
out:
3h31
